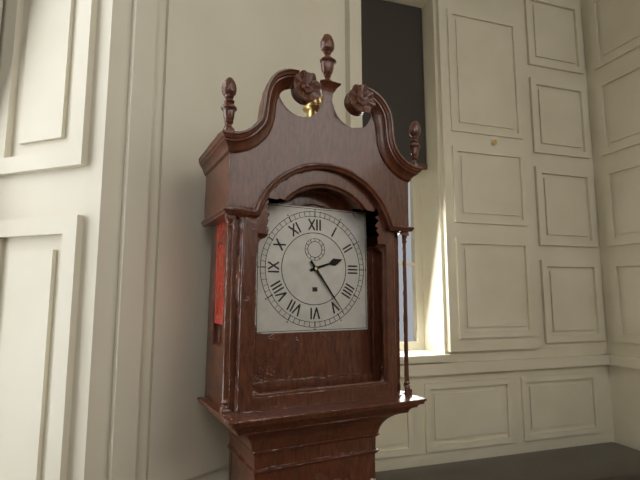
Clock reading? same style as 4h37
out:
2h24
